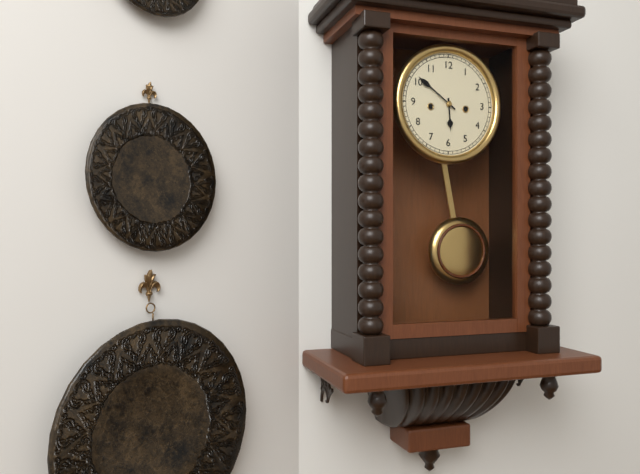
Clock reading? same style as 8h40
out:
5h51
